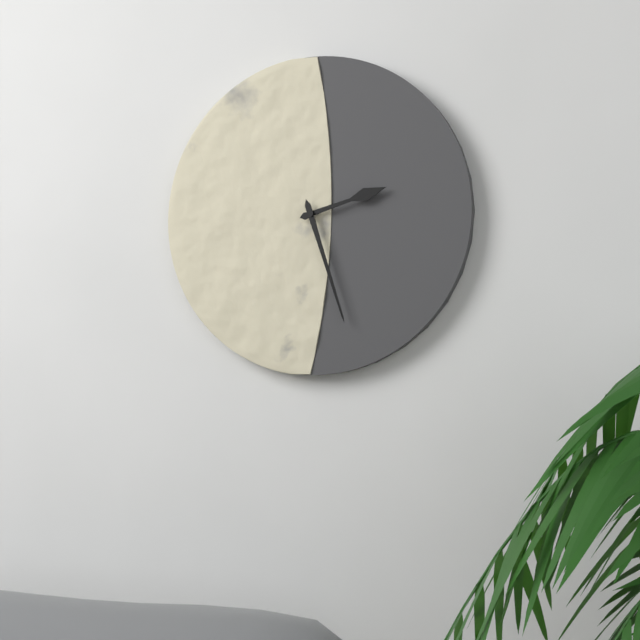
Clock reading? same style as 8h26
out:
2h27
